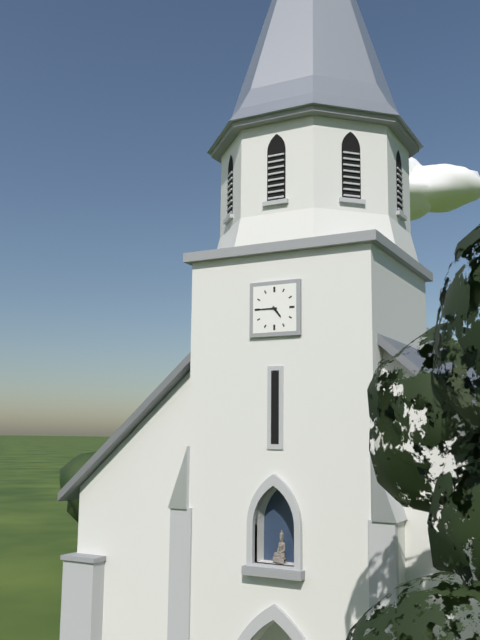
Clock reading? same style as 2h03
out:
4h45
